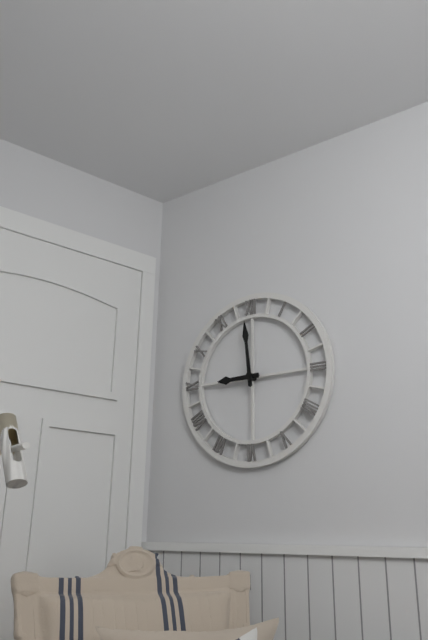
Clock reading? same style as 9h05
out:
8h59
